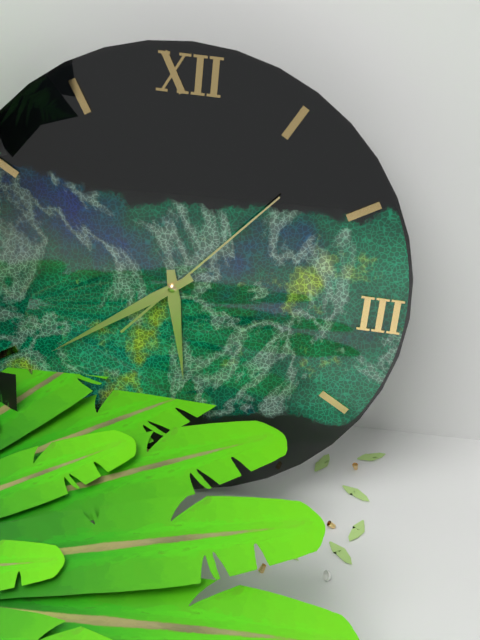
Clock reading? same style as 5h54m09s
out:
5h39m07s
